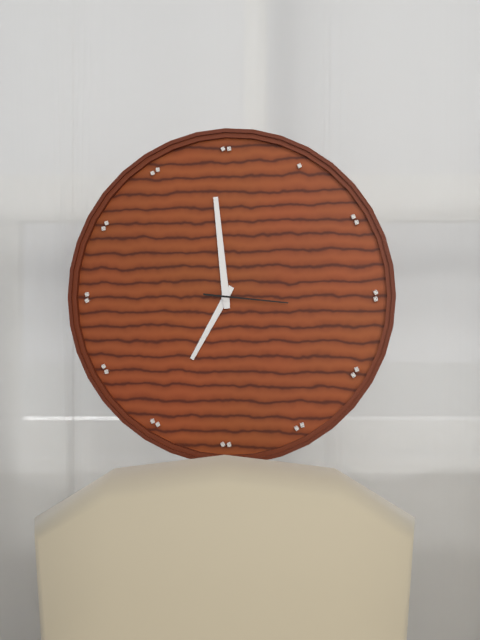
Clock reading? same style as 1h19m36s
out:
6h59m16s
